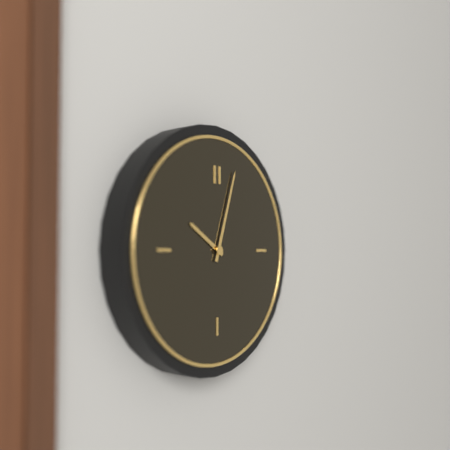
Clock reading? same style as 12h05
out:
10h03
